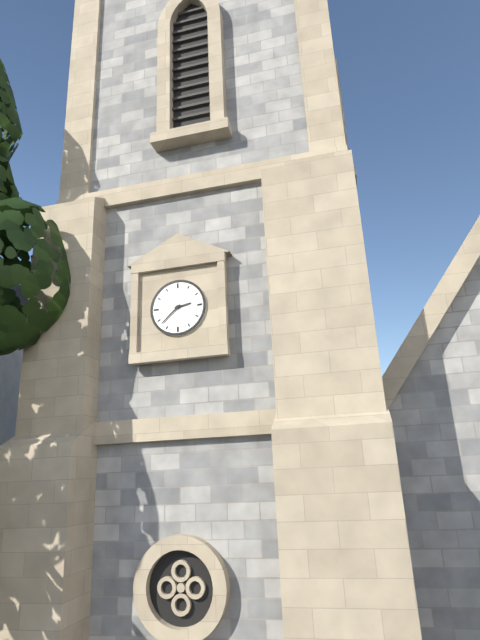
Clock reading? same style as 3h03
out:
2h38
